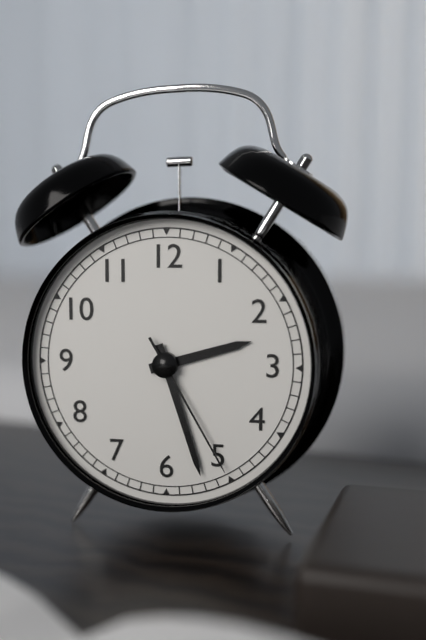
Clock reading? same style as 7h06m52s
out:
2h27m25s
